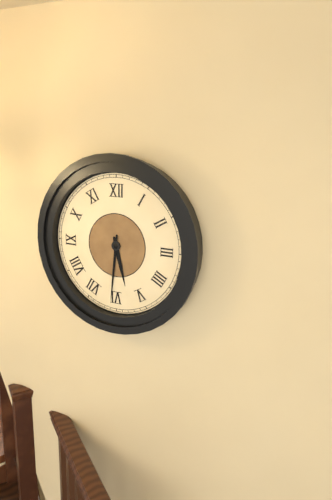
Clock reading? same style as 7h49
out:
5h31
